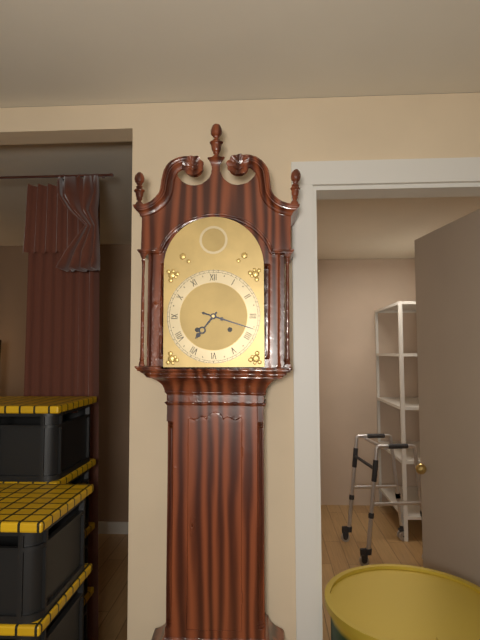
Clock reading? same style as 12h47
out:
7h18
